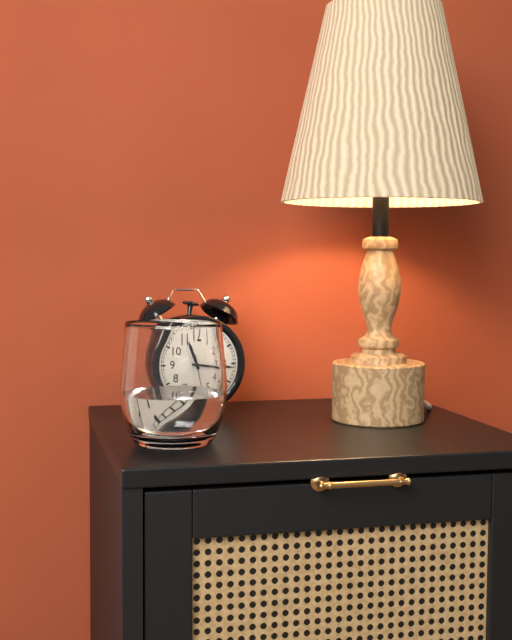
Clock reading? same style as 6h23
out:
11h16
